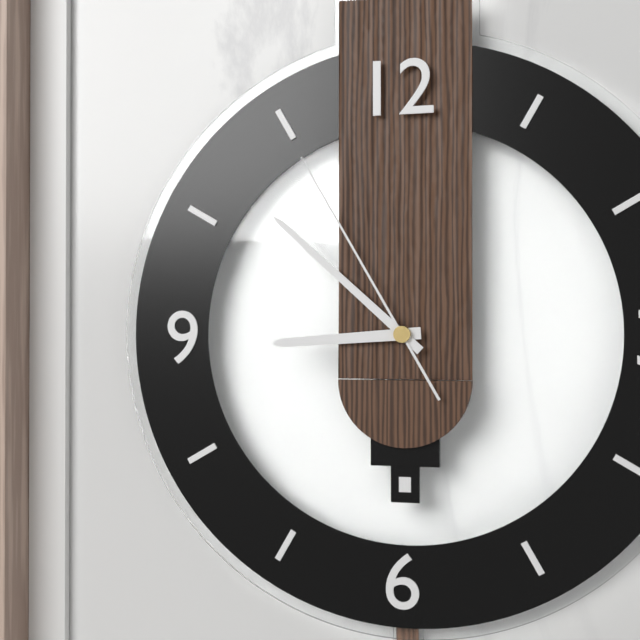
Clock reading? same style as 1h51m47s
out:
8h52m55s
